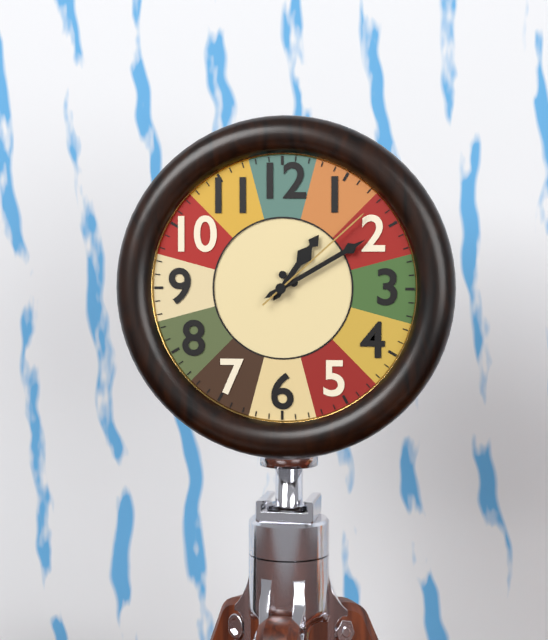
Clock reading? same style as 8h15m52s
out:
1h10m08s
